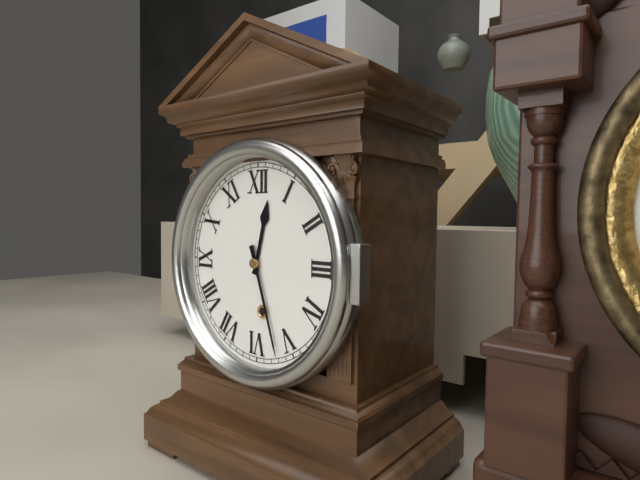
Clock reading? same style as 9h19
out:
12h27
